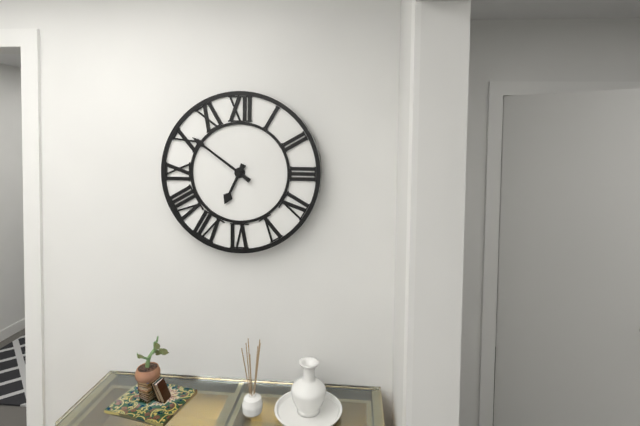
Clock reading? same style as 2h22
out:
6h51
